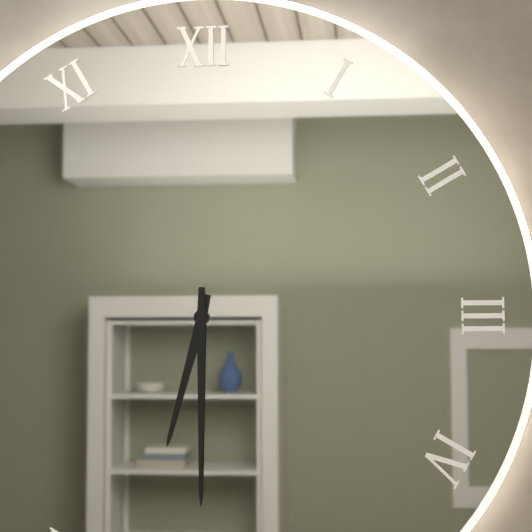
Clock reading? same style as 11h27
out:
6h30
